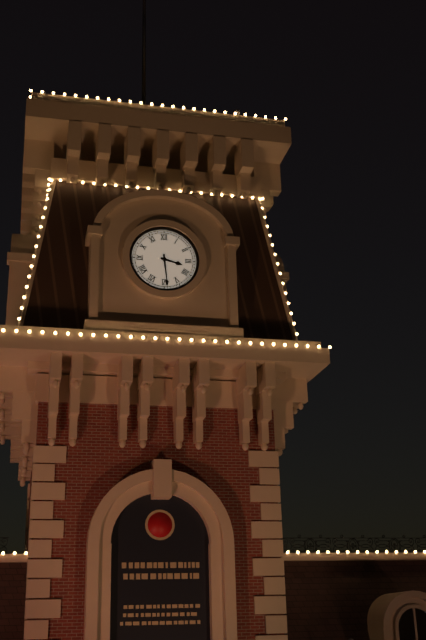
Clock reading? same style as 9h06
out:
3h29
